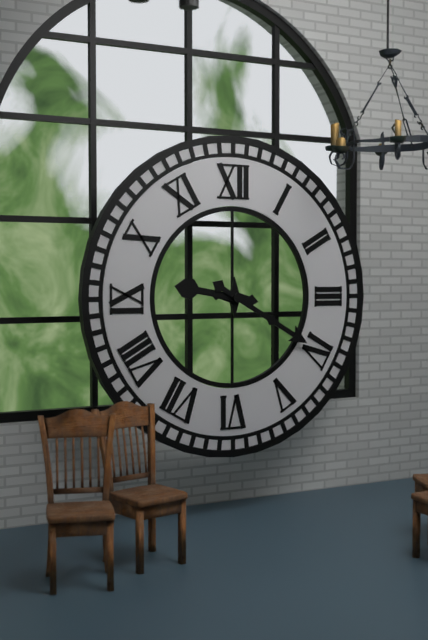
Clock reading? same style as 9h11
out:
9h20
